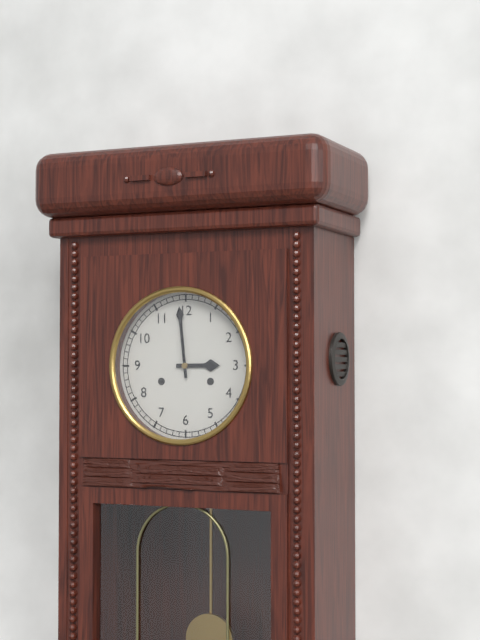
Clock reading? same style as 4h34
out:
2h59
